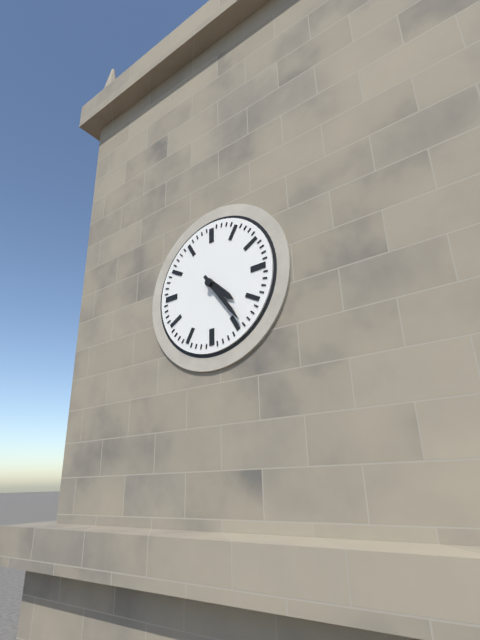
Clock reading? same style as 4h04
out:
4h24
